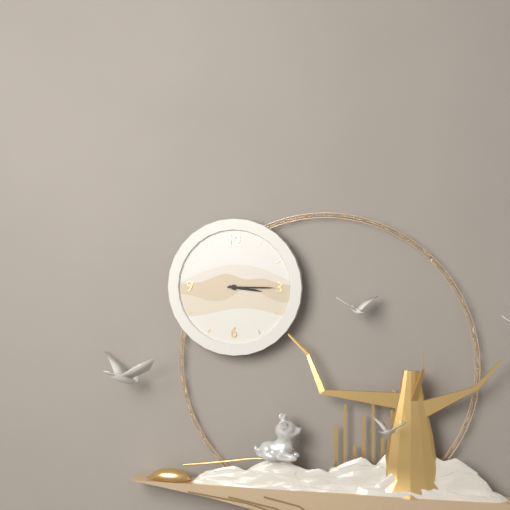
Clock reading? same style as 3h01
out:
3h15
